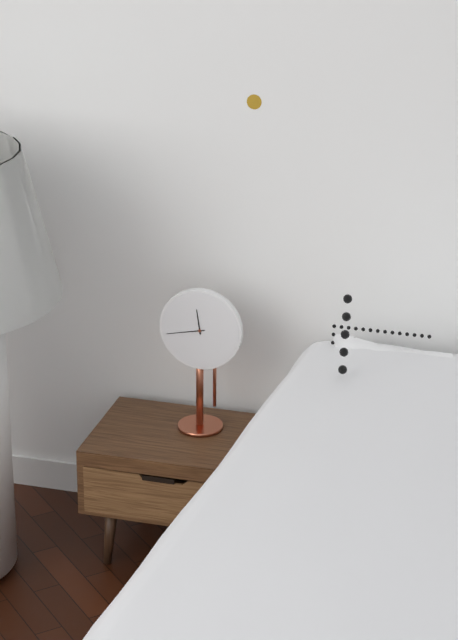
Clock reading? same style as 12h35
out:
11h43
